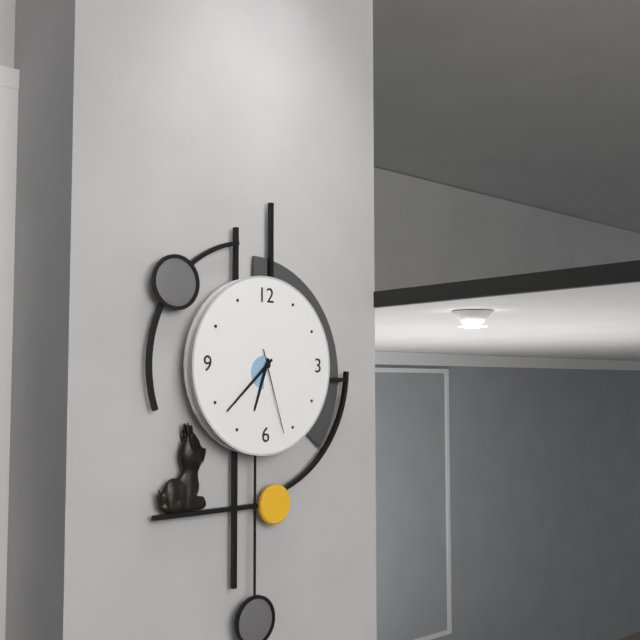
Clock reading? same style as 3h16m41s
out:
6h38m27s
